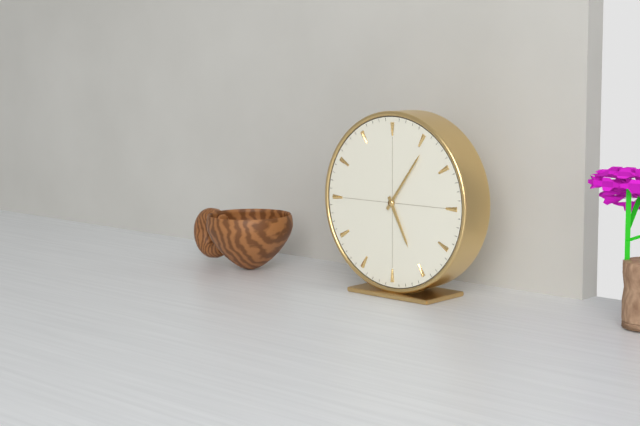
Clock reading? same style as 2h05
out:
5h06
